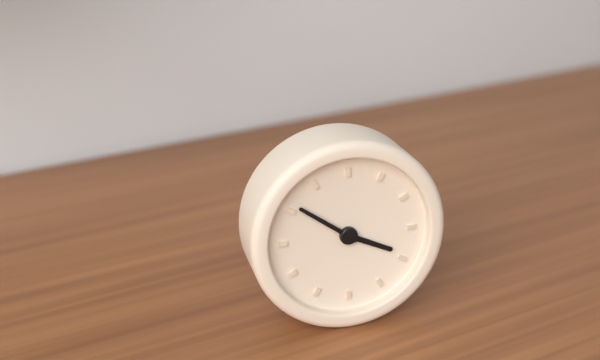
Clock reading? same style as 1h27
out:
3h51
